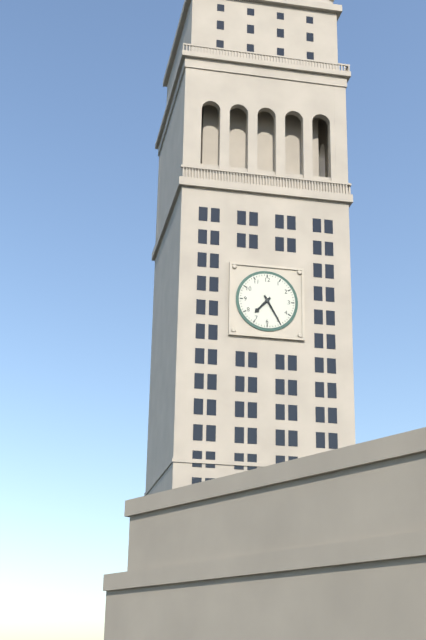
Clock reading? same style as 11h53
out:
7h25
